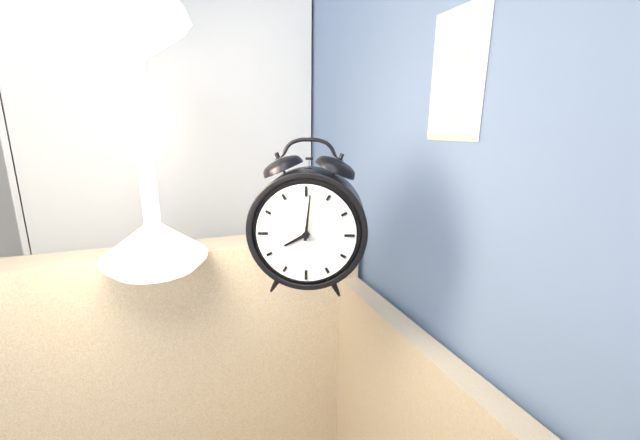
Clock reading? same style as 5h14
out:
8h01
